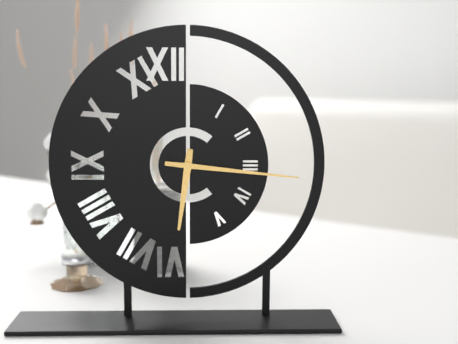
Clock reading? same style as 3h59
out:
6h16
